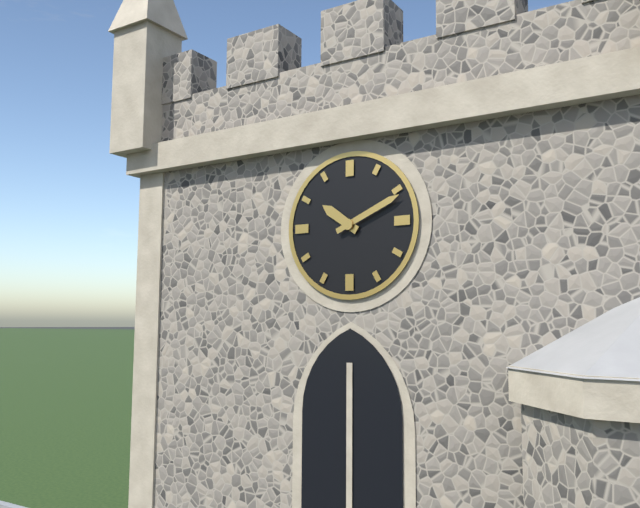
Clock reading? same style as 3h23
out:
10h11
